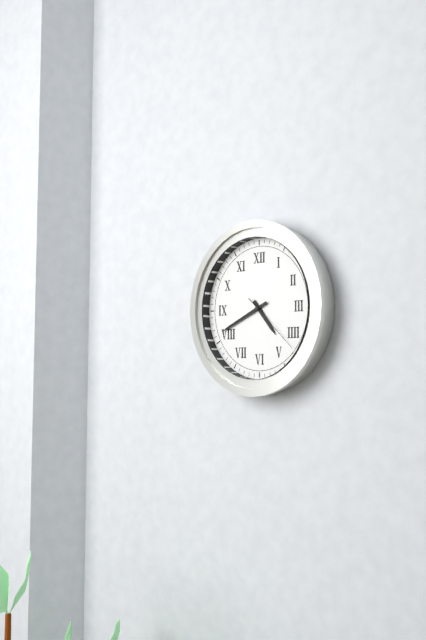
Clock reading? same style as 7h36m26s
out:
4h41m22s
